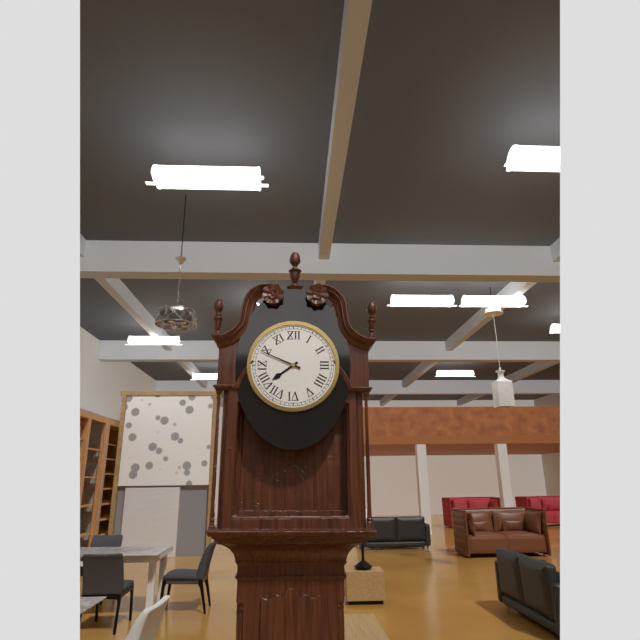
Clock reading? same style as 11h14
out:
7h49
